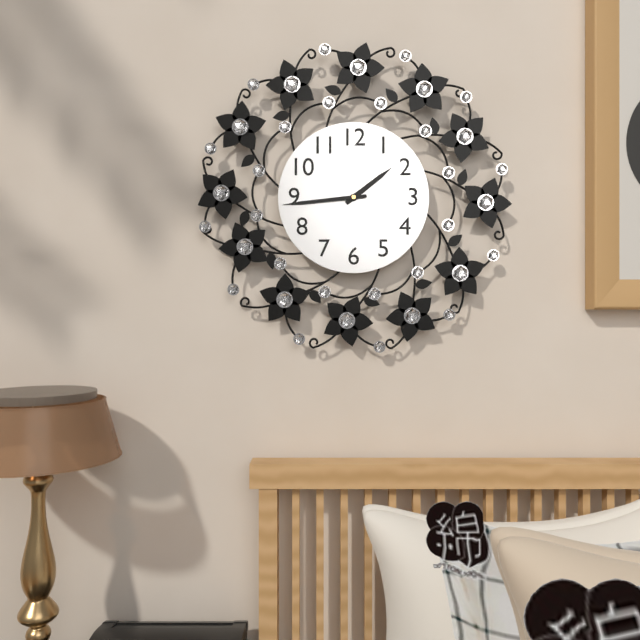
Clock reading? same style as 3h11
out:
1h44
